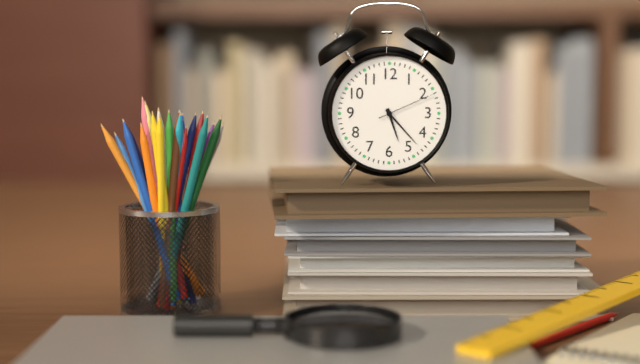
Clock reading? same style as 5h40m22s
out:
5h23m11s
